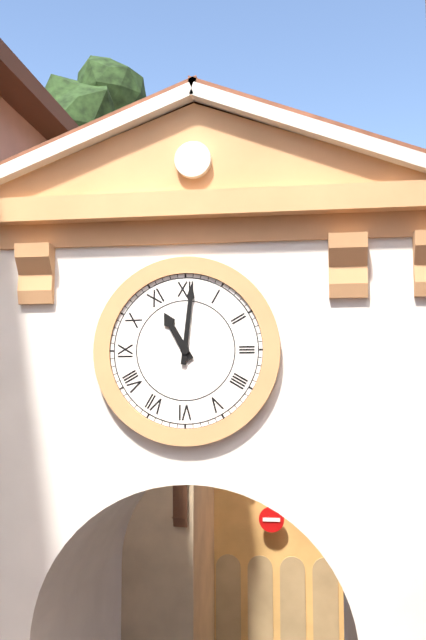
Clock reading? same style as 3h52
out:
11h01
